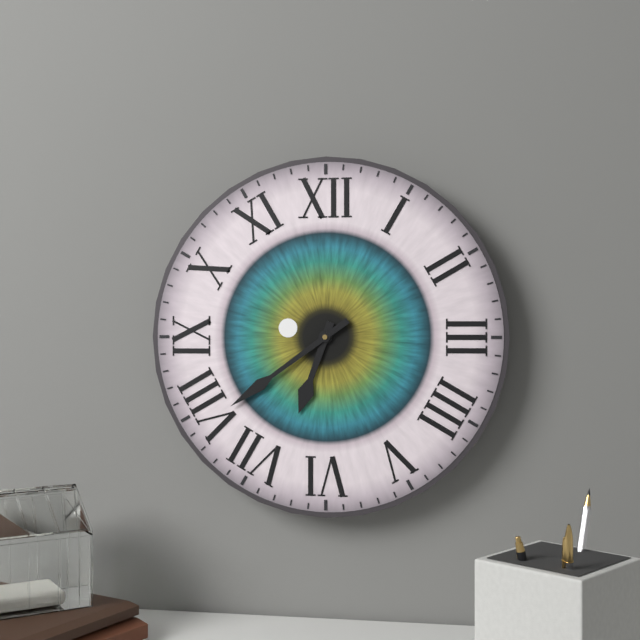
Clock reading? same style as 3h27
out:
6h39
